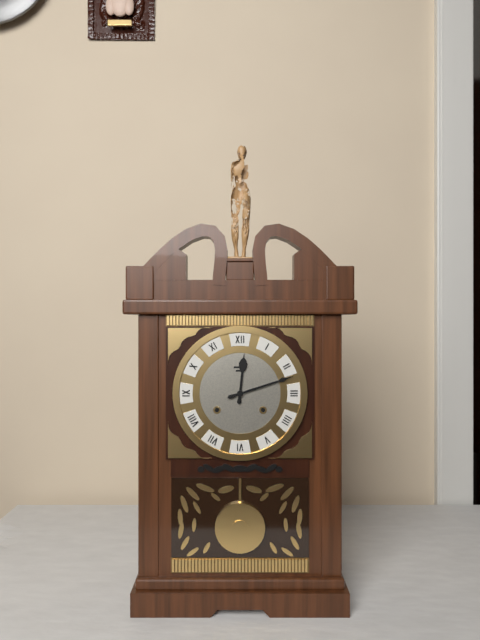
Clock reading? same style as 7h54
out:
12h12
